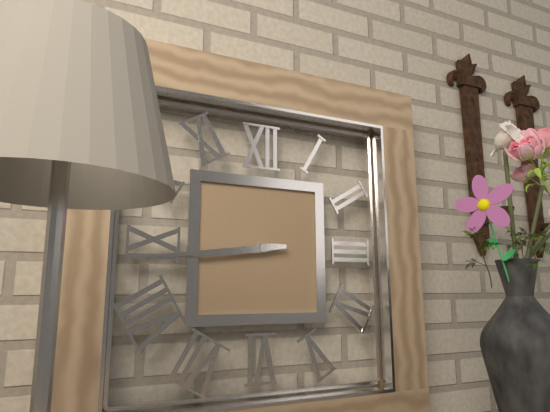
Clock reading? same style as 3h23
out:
8h44
